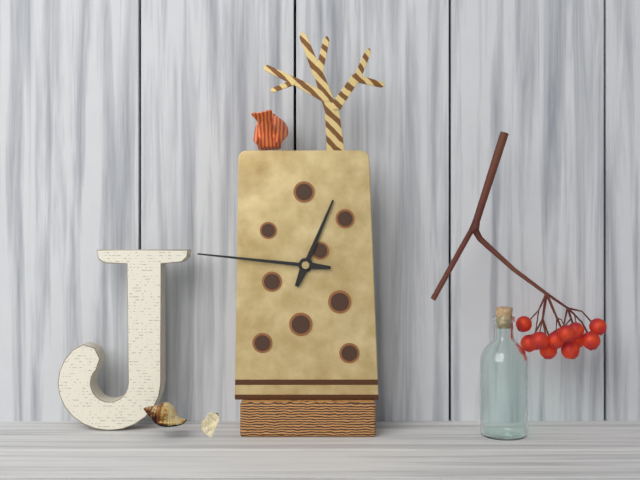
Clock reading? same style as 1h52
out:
12h46
